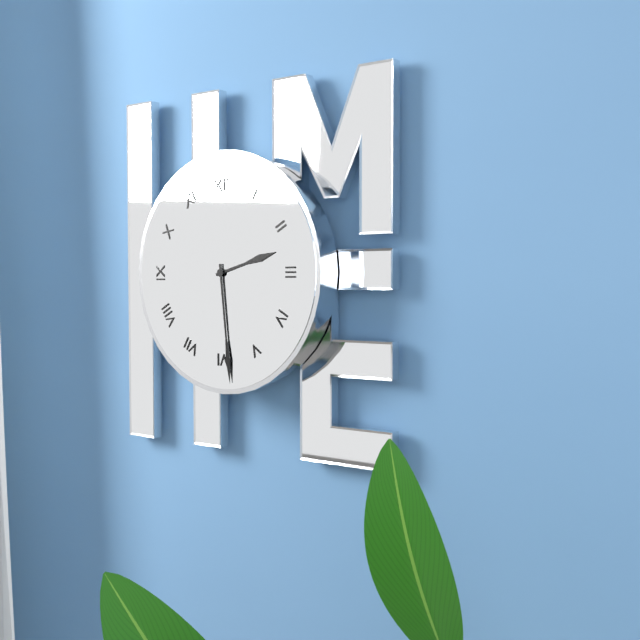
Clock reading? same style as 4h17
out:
2h29
